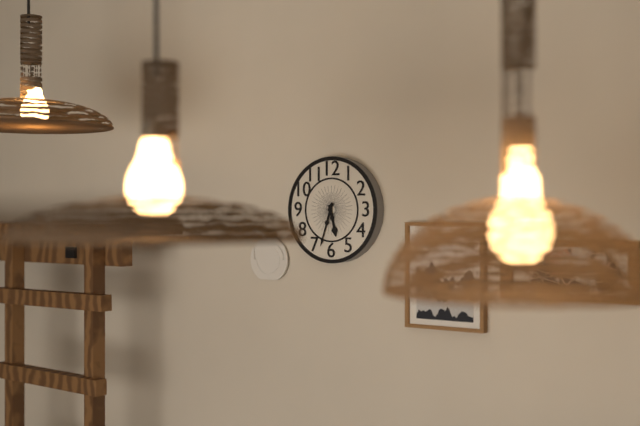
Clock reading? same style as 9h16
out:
5h33
